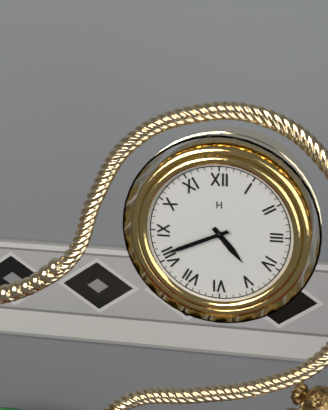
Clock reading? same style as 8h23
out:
4h41
